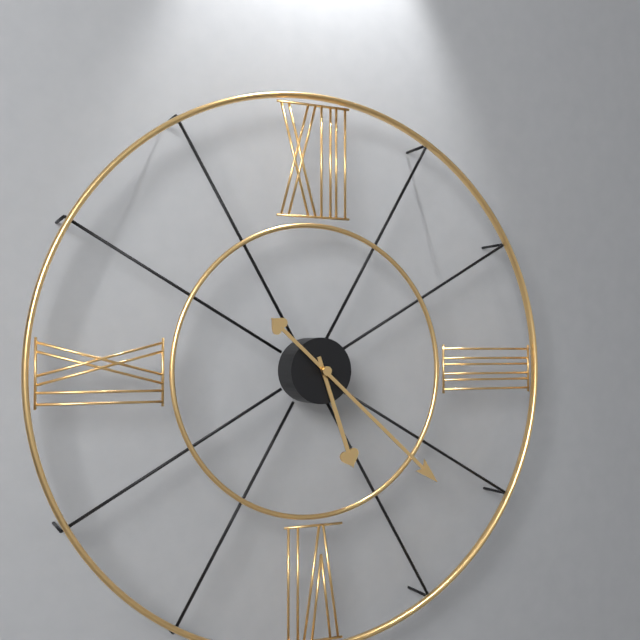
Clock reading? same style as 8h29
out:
5h22
